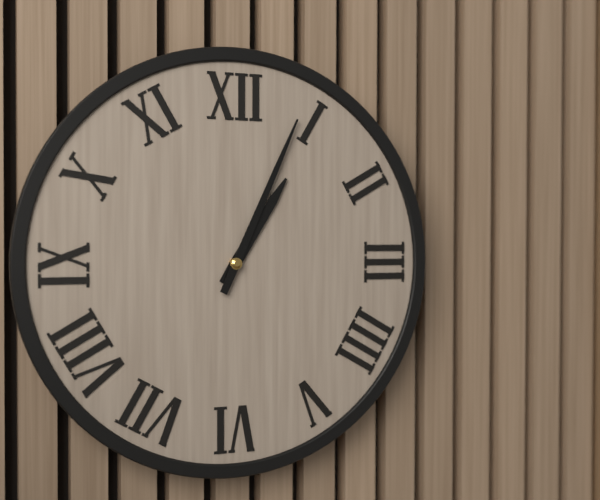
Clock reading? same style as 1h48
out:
1h04
